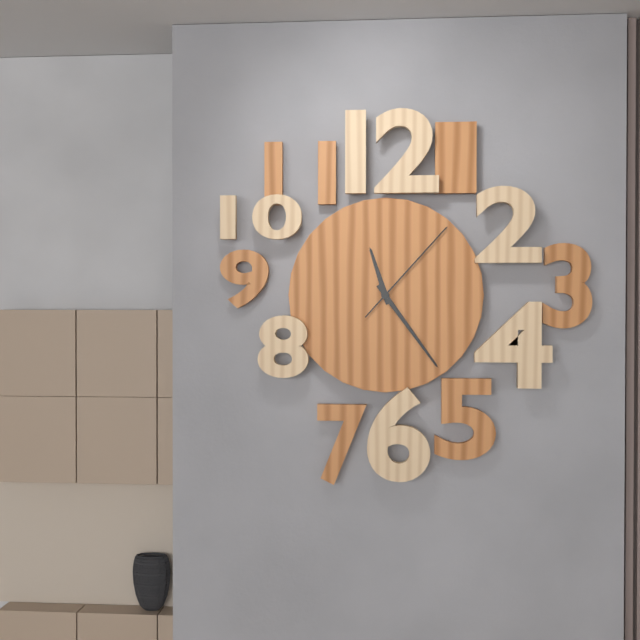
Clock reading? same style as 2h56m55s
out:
11h24m07s
